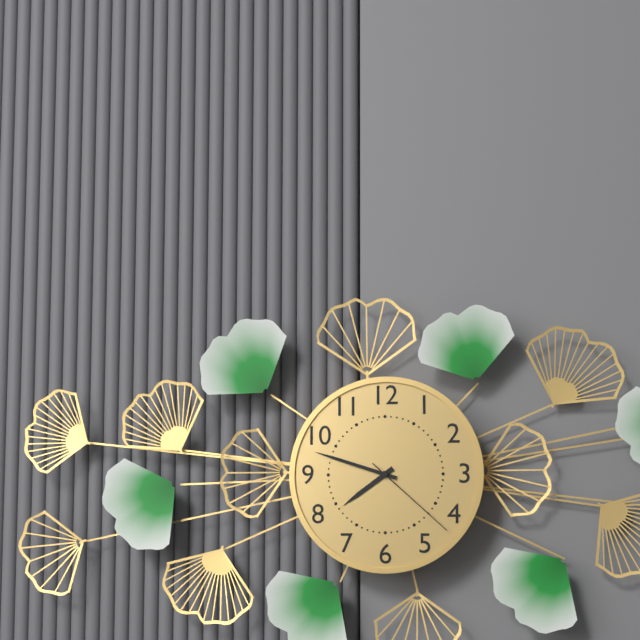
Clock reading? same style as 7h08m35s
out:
7h48m22s
